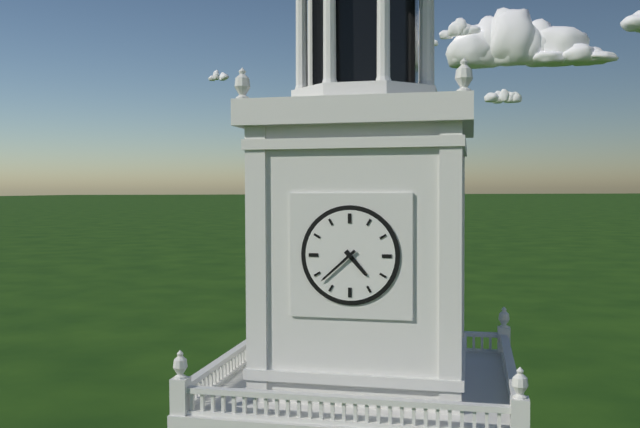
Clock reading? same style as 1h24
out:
4h38
